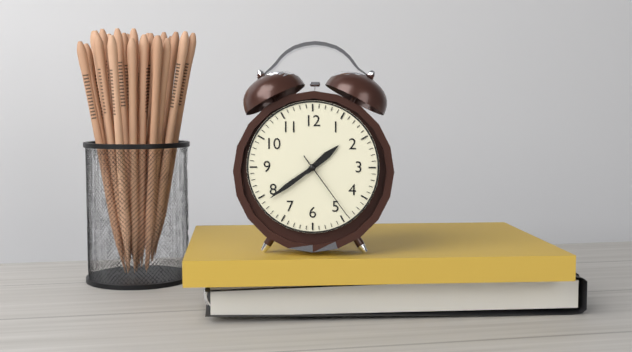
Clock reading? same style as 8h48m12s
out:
1h39m24s
